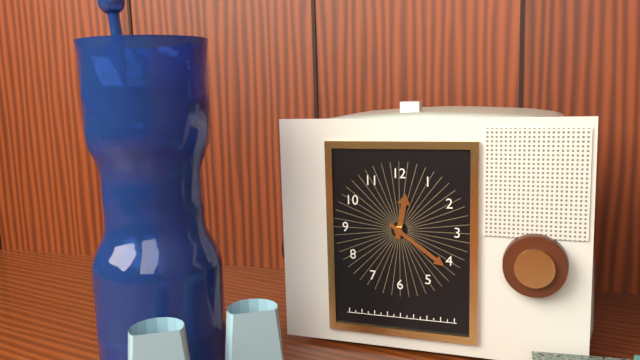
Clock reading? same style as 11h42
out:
12h21
